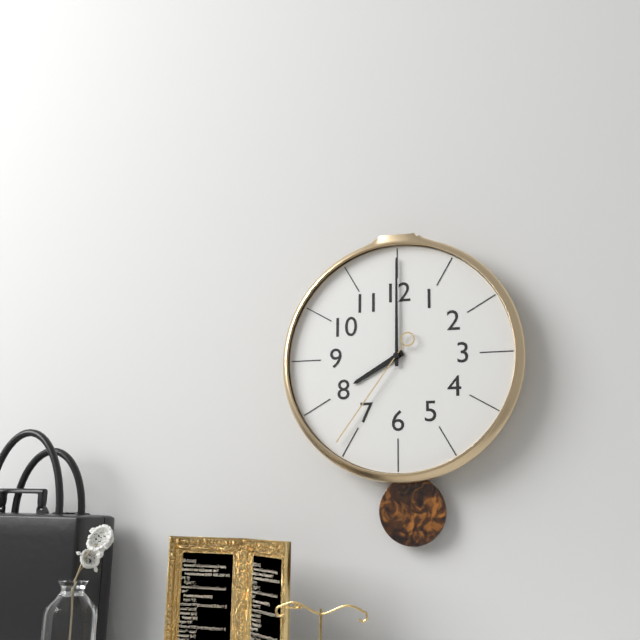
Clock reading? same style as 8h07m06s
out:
8h00m36s
